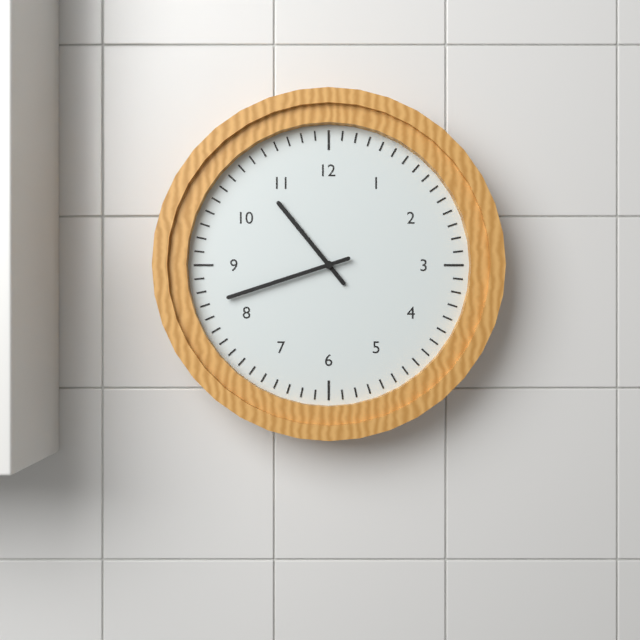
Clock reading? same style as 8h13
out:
10h42
